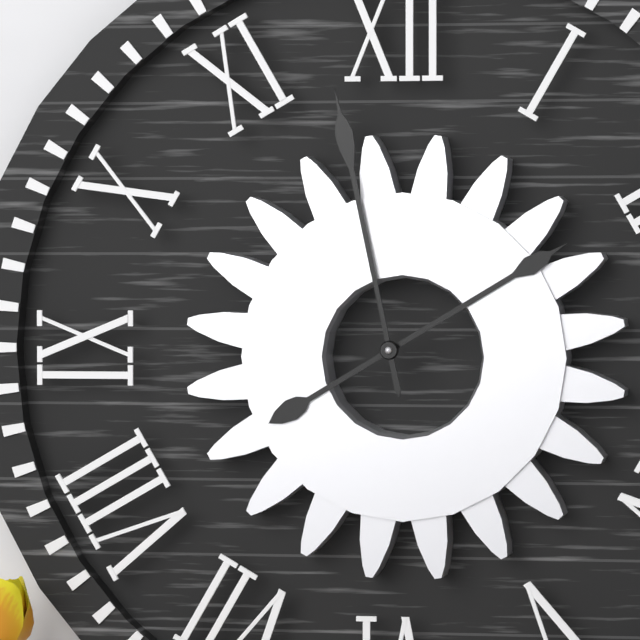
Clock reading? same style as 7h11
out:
1h58
